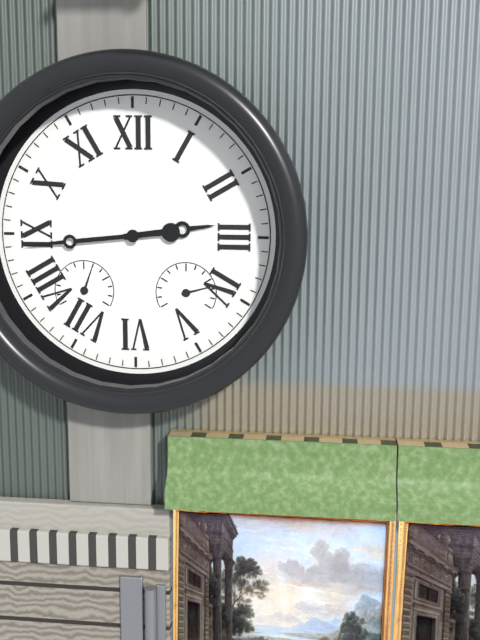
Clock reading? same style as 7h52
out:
2h44
